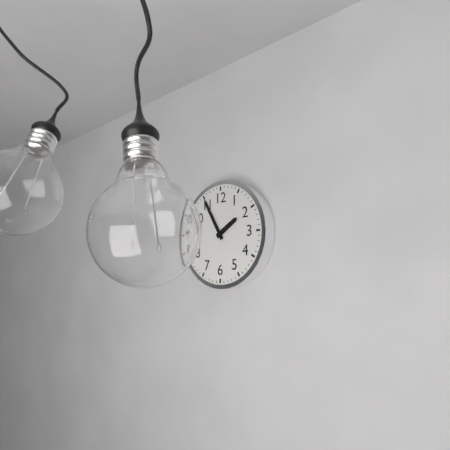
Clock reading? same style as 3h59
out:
1h55
